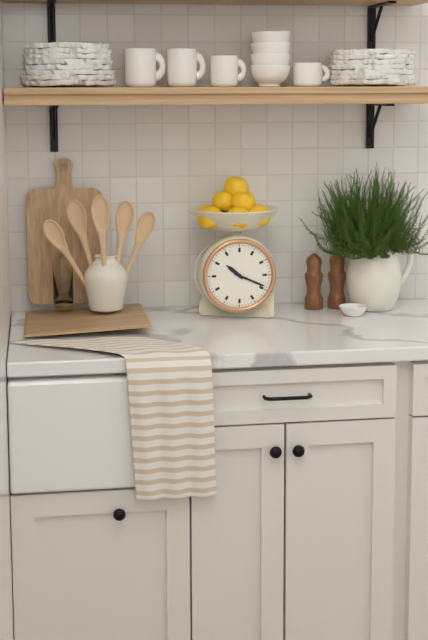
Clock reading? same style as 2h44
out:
10h19
